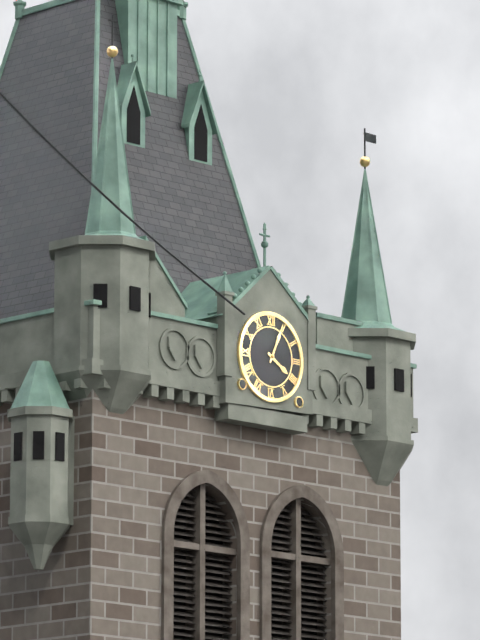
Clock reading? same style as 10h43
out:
4h04
